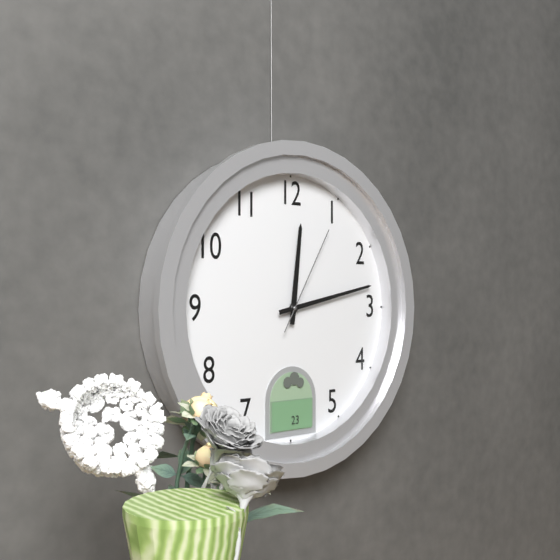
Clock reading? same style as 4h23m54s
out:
12h13m05s
